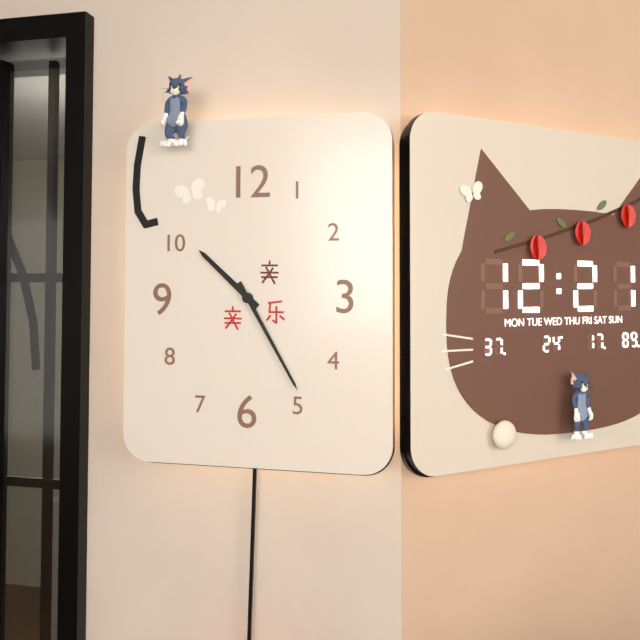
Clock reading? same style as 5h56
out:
10h25
